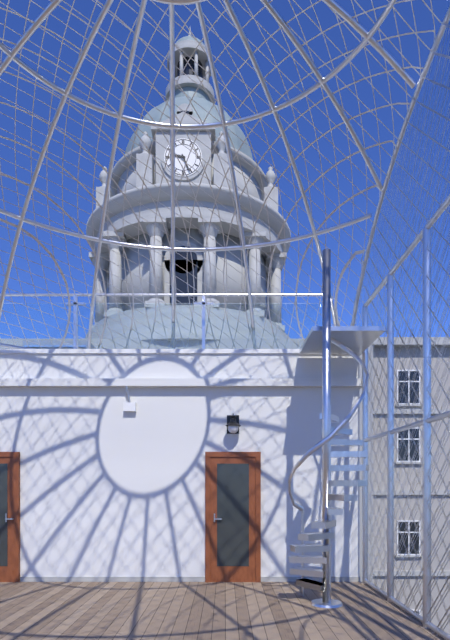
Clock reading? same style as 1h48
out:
9h26
